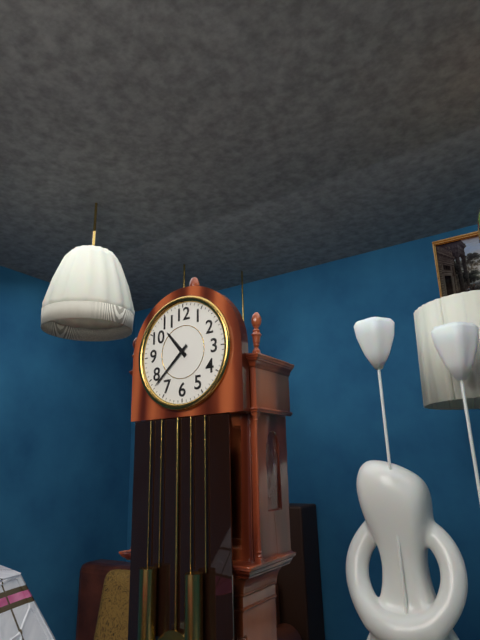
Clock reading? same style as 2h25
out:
10h38
